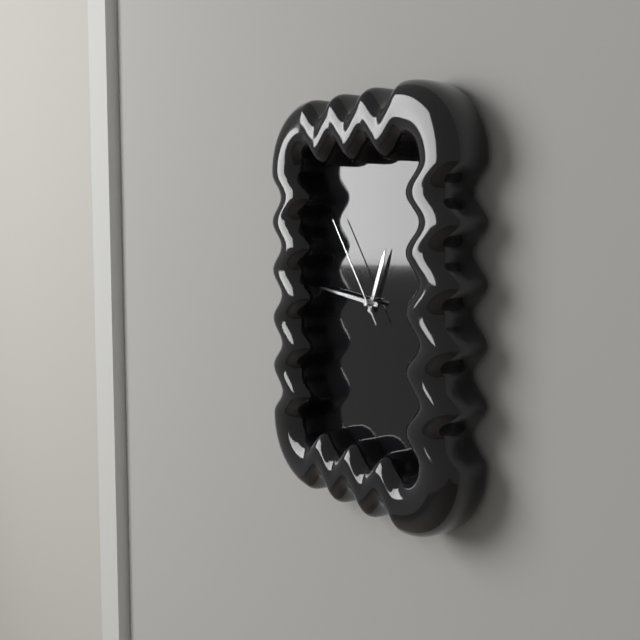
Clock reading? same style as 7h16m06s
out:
12h46m54s
